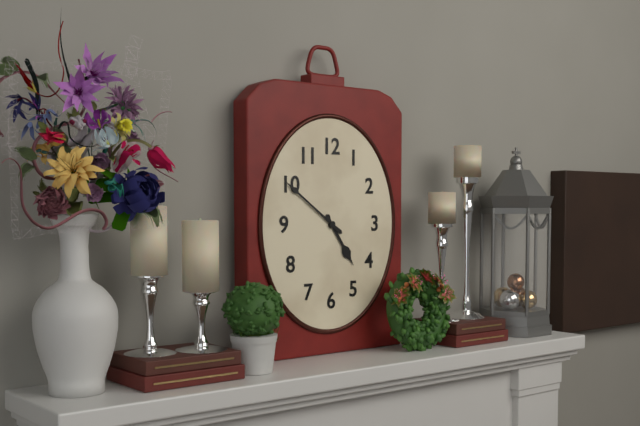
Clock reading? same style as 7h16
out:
4h51
